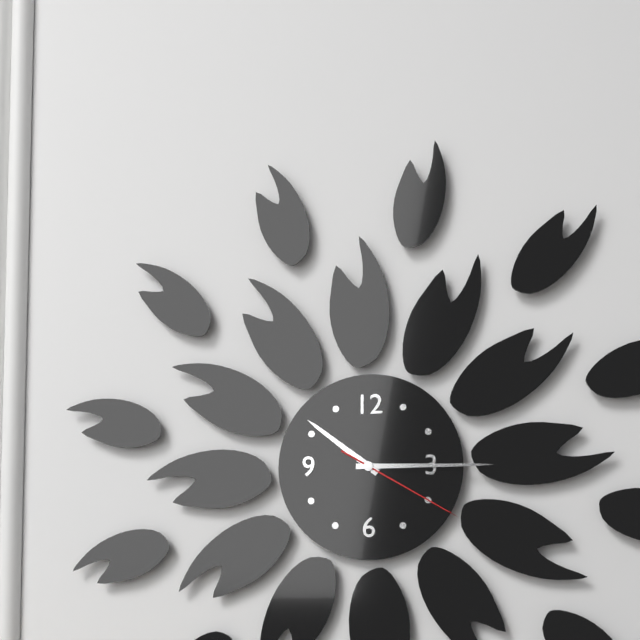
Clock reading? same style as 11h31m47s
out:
10h15m20s
